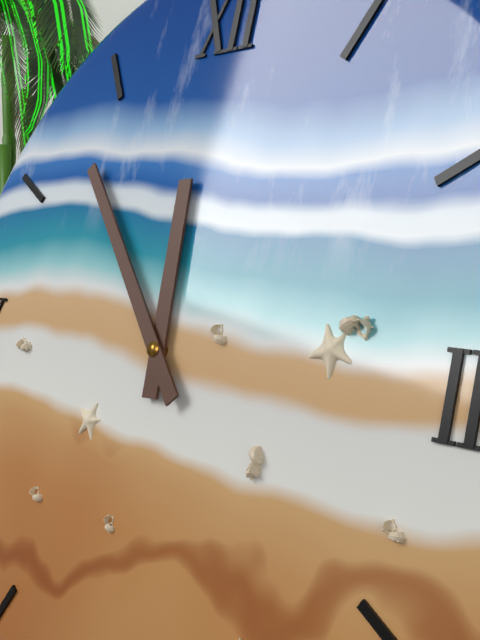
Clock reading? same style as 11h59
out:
11h53
